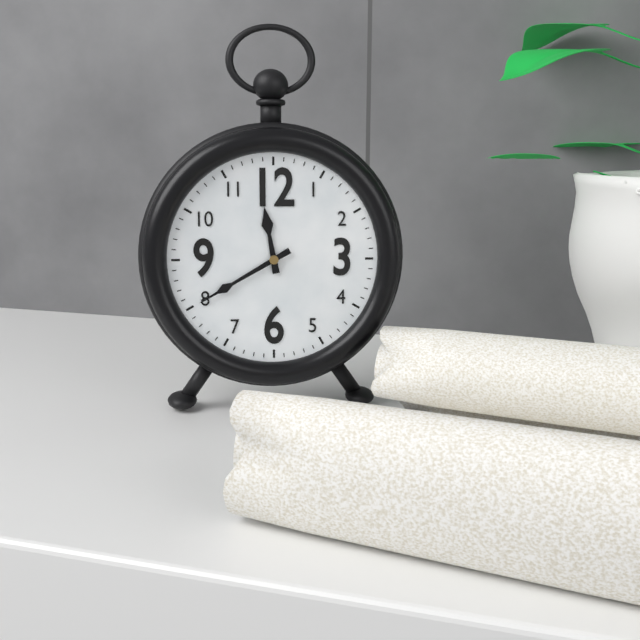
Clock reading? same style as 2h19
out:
11h40
